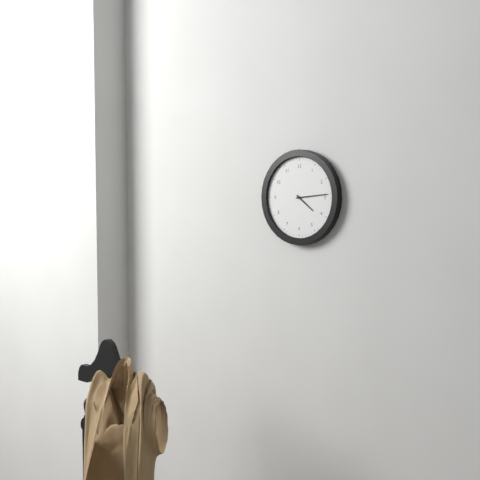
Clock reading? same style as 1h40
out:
4h14
